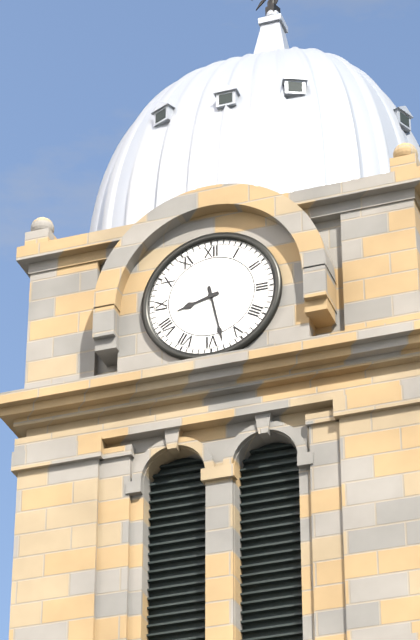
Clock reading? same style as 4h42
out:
8h28
